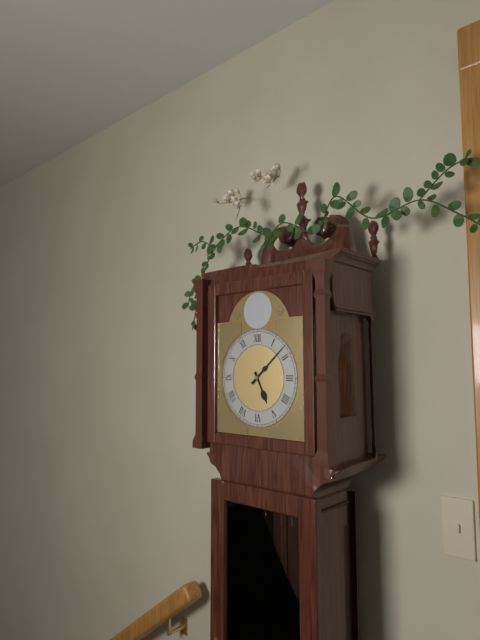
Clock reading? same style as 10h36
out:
5h08
